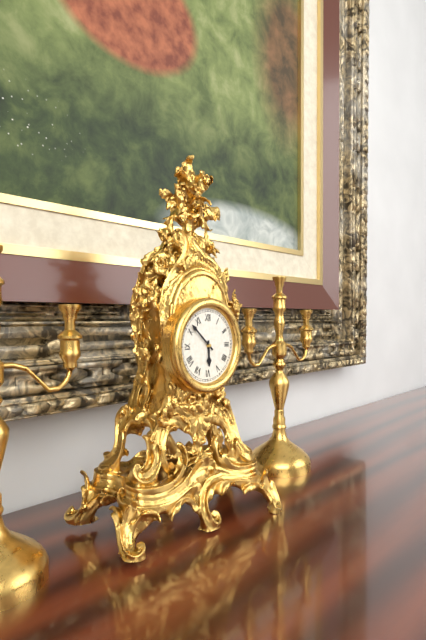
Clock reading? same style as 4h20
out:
5h52
